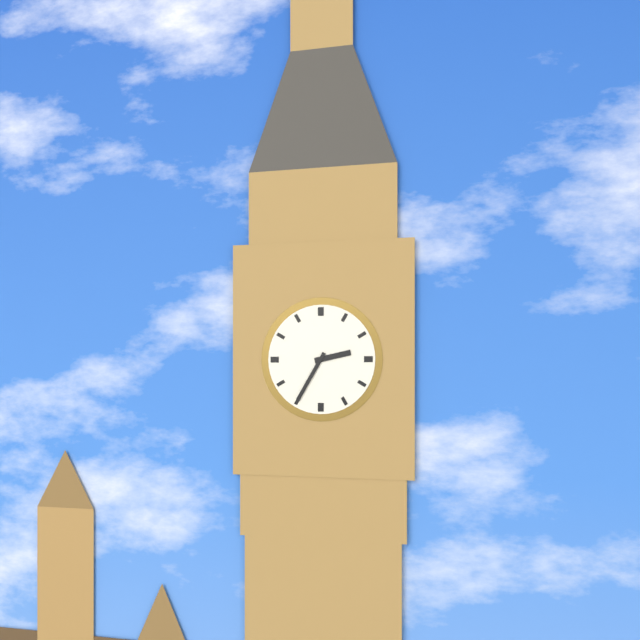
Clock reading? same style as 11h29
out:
2h35
